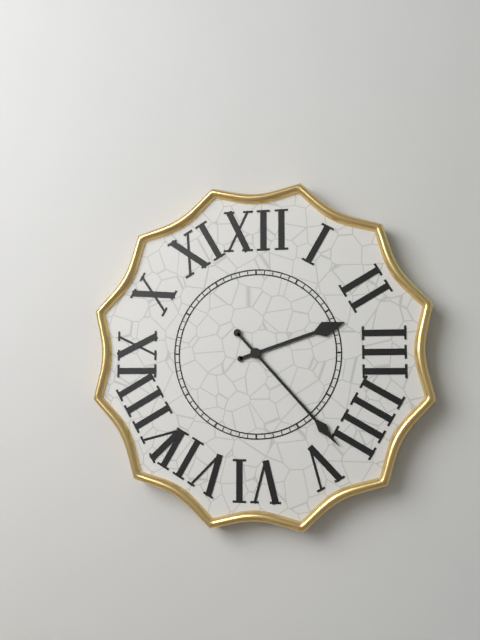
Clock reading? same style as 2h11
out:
2h23
